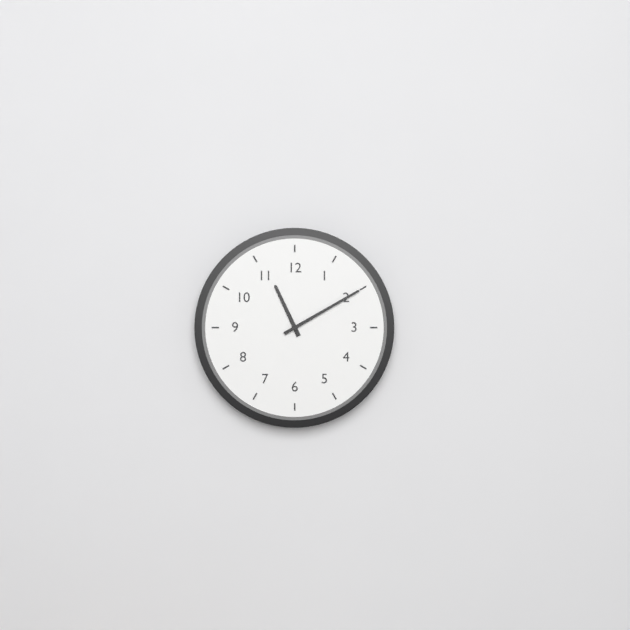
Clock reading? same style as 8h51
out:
11h10
